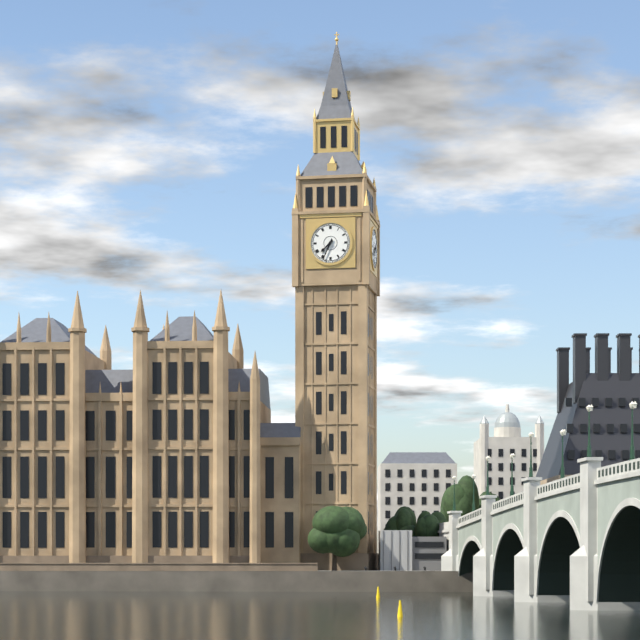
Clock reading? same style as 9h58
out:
7h34
